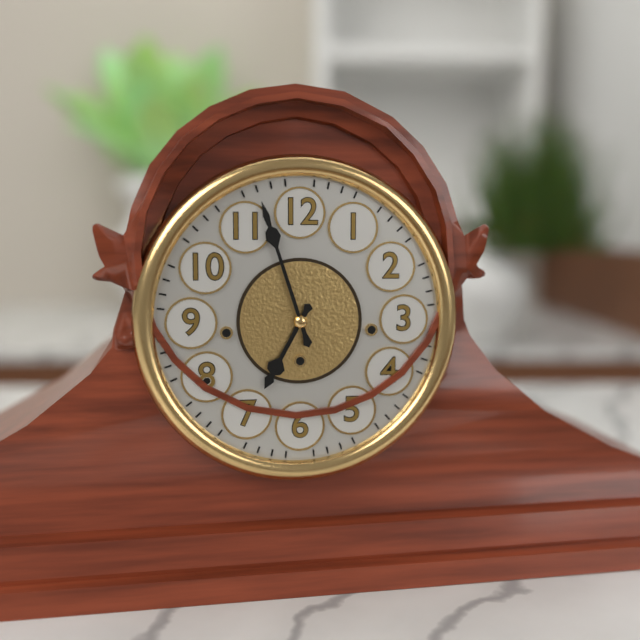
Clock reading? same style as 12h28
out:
6h57
